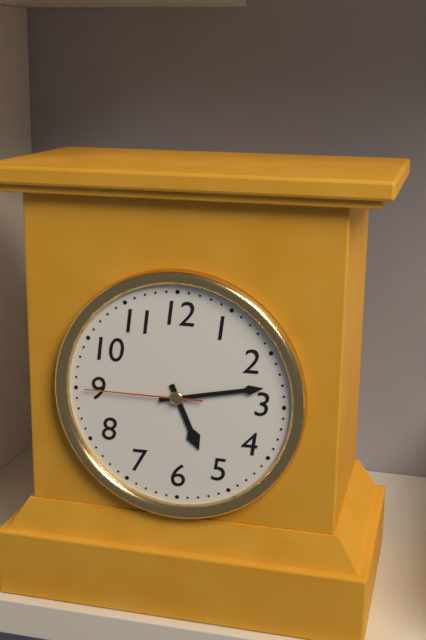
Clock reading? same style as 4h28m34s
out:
5h13m45s
